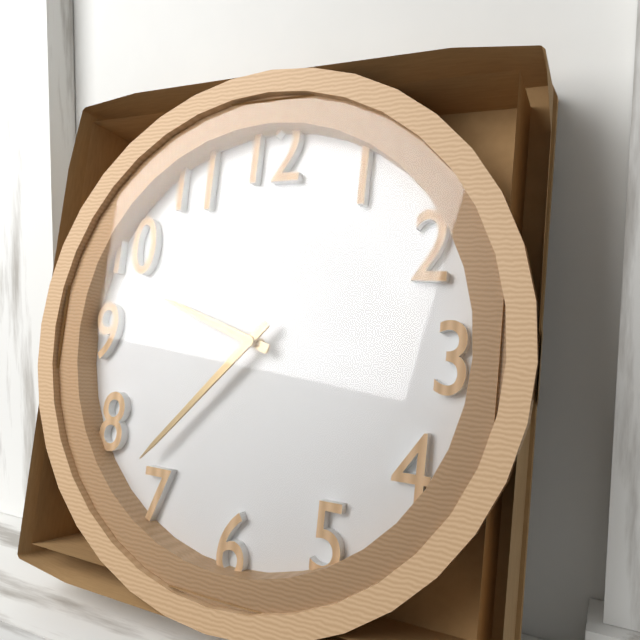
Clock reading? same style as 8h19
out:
9h37
